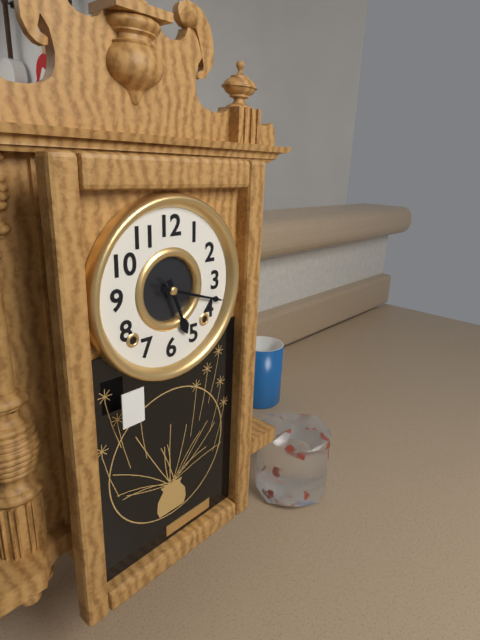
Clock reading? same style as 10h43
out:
5h18
